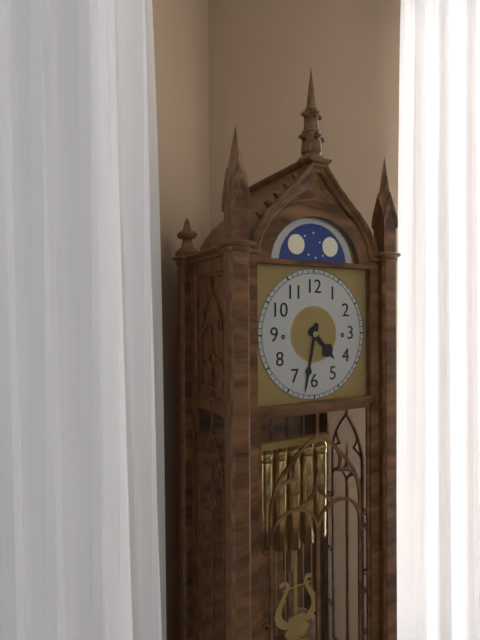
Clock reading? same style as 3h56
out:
4h32
